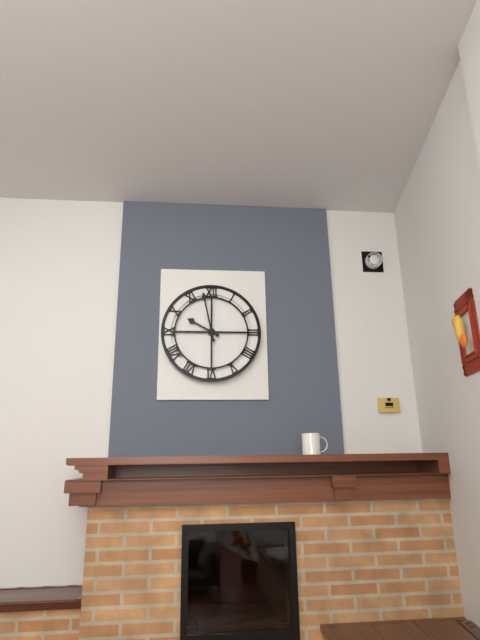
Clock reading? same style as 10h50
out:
9h58
